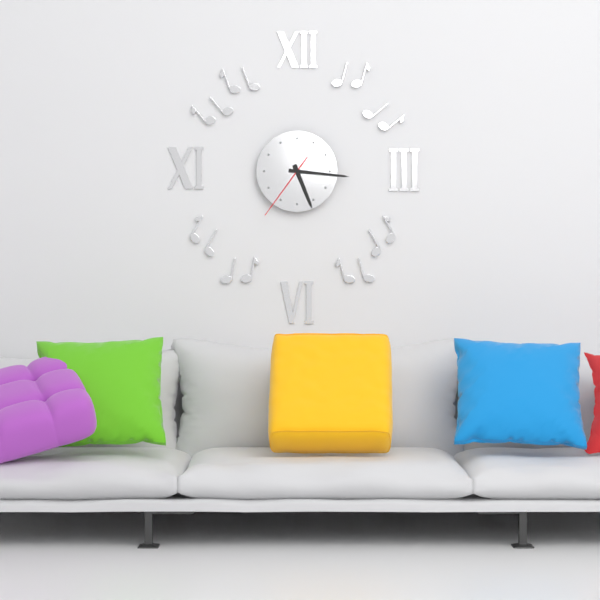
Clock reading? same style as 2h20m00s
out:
5h16m36s
